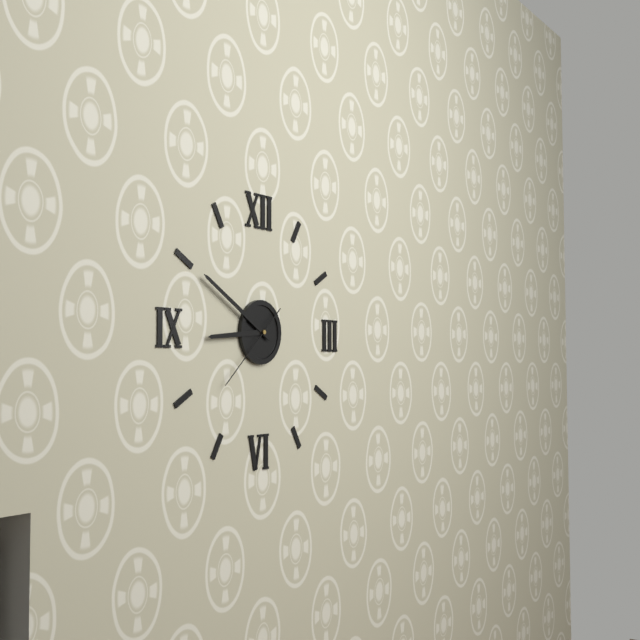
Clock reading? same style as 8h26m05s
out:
8h50m38s
